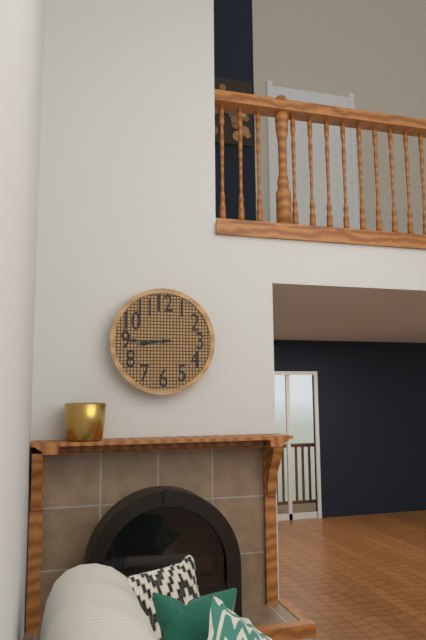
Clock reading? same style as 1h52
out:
8h45
